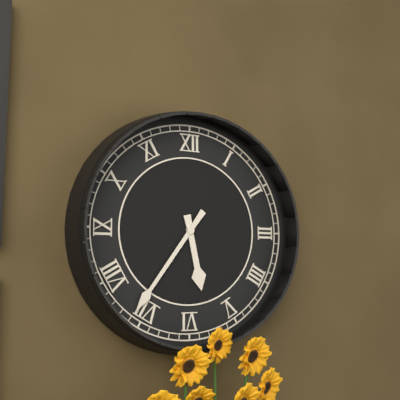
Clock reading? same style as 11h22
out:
5h36
